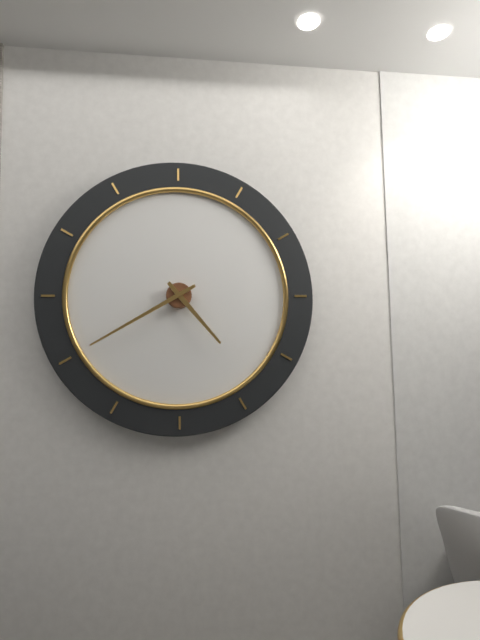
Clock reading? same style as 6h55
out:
4h40
